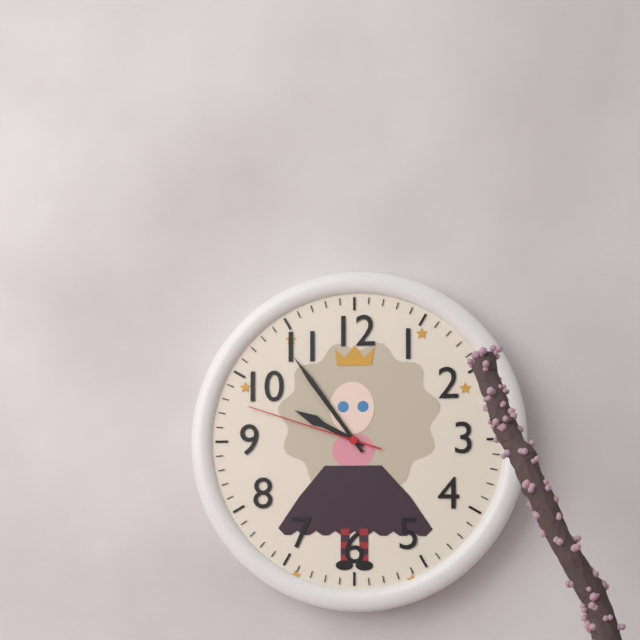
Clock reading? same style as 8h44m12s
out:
9h54m48s
